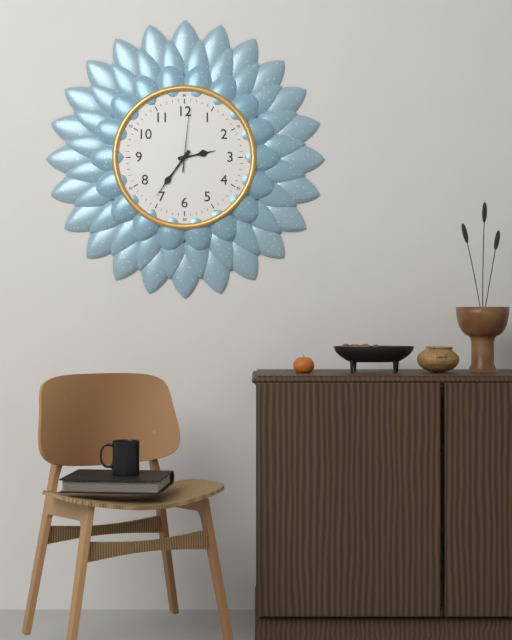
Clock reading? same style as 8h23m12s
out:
2h36m01s
